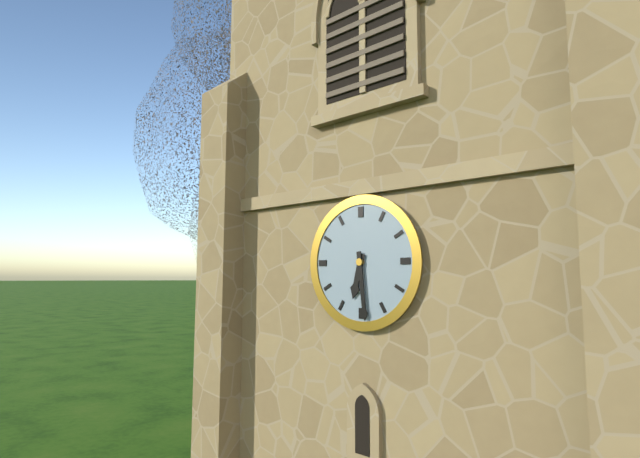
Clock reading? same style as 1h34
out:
6h29
